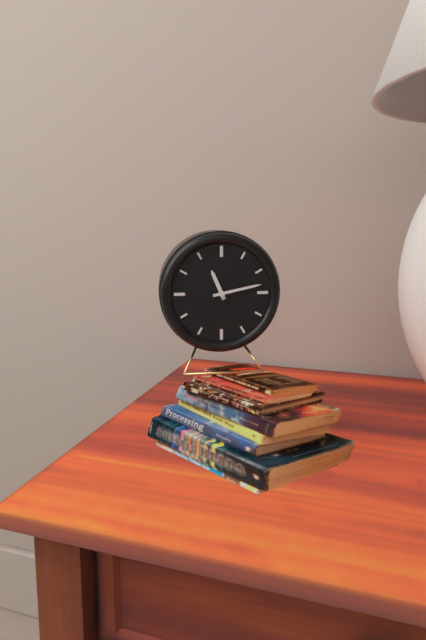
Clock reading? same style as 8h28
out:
11h13
